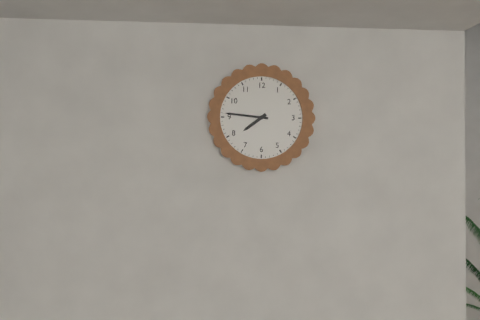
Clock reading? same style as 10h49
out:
7h46
